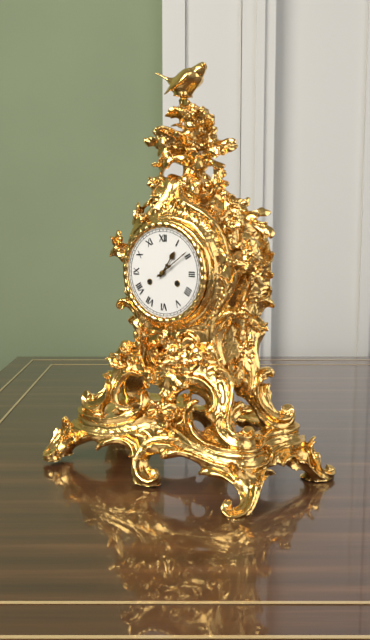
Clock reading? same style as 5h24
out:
1h09
